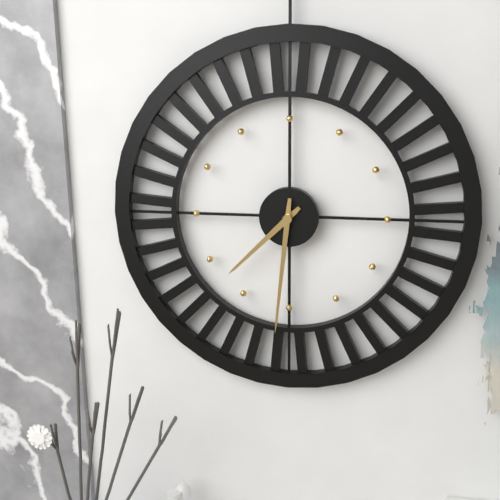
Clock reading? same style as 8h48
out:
7h31
